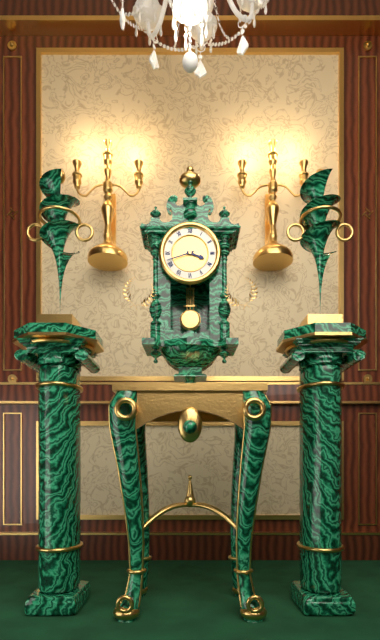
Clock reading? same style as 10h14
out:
3h42
